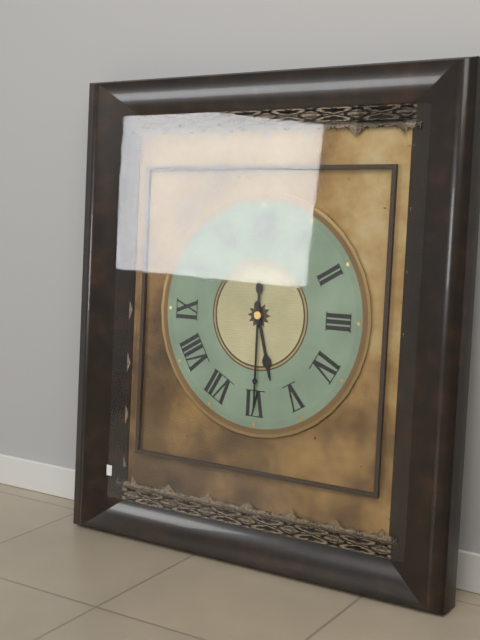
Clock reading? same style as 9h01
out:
5h30
